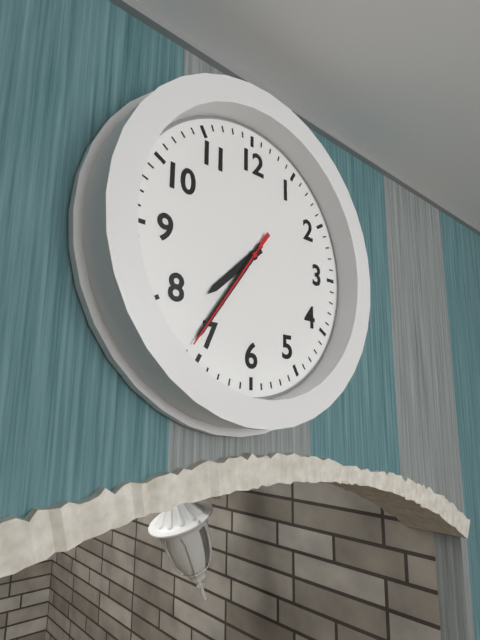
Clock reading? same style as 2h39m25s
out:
7h36m36s
